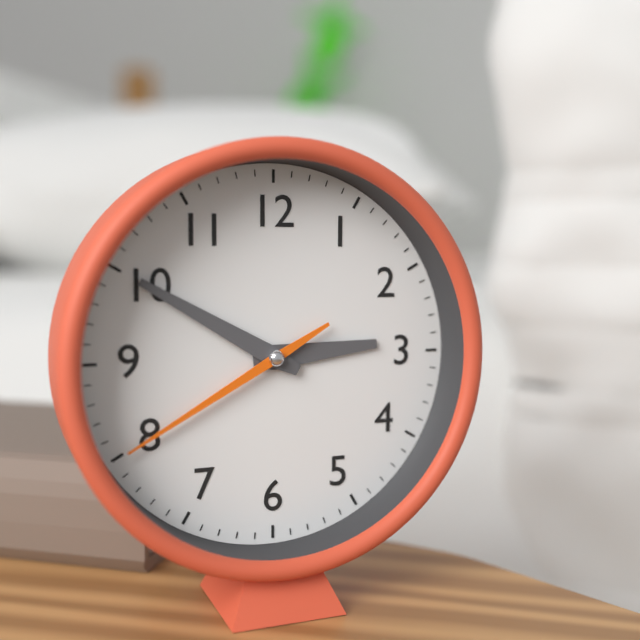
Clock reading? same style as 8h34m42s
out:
2h50m40s
